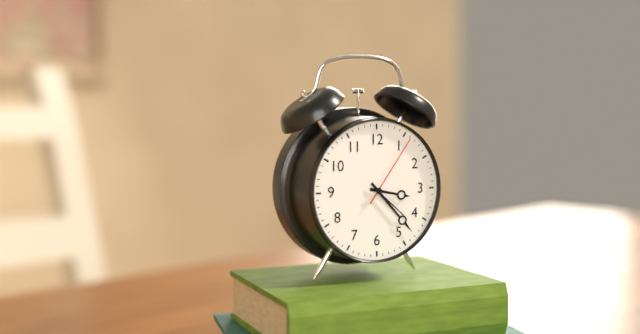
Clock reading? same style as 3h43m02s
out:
3h23m06s
